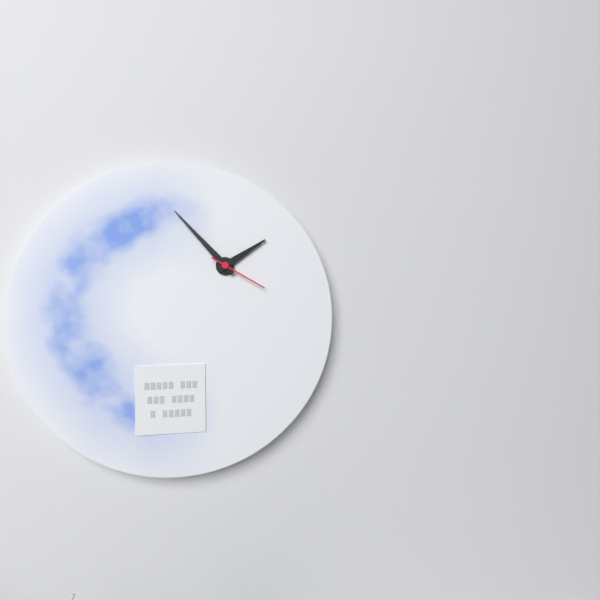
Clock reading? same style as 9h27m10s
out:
1h53m20s
